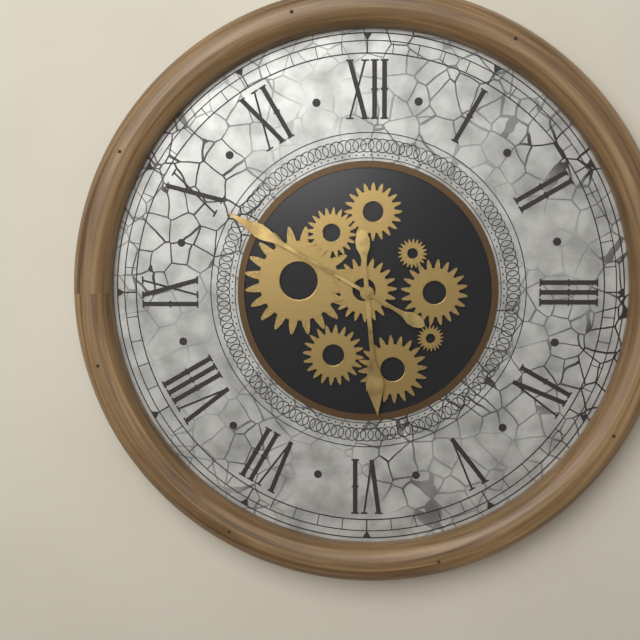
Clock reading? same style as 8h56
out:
5h50
